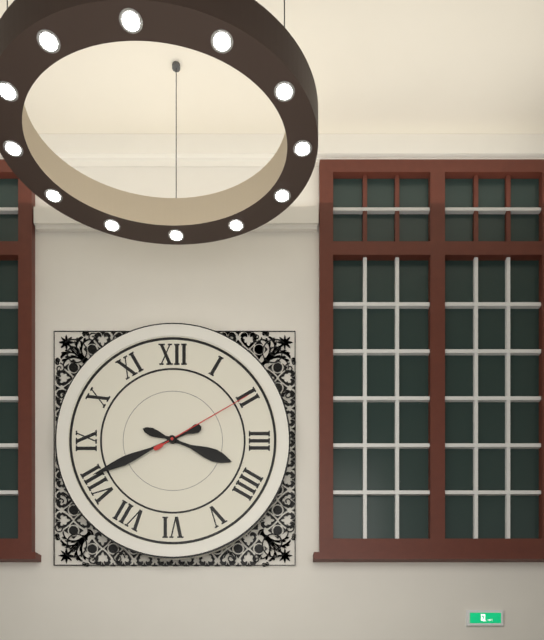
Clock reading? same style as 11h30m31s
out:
3h41m10s
